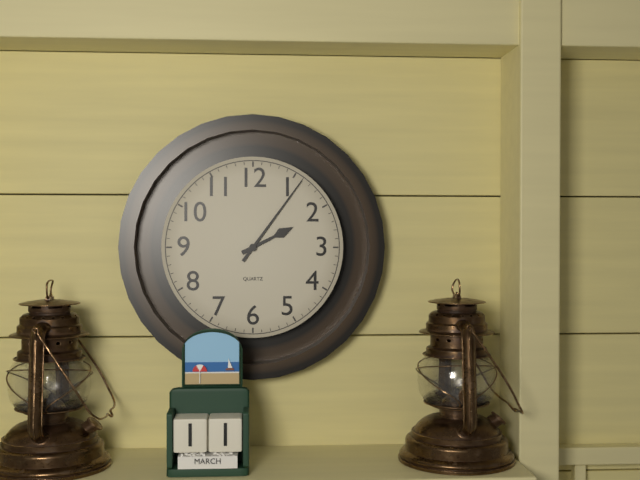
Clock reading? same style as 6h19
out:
2h06
